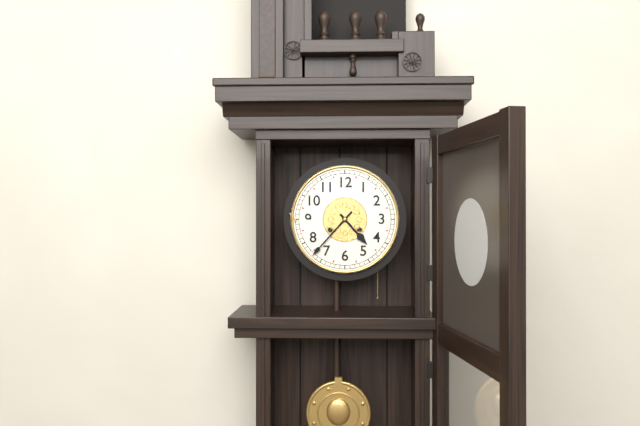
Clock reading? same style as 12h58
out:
4h37
